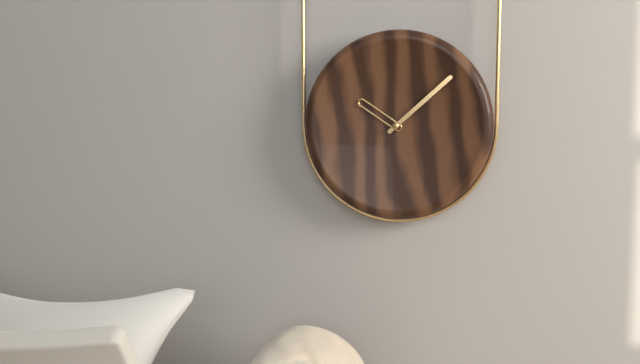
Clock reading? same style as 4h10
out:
10h08
